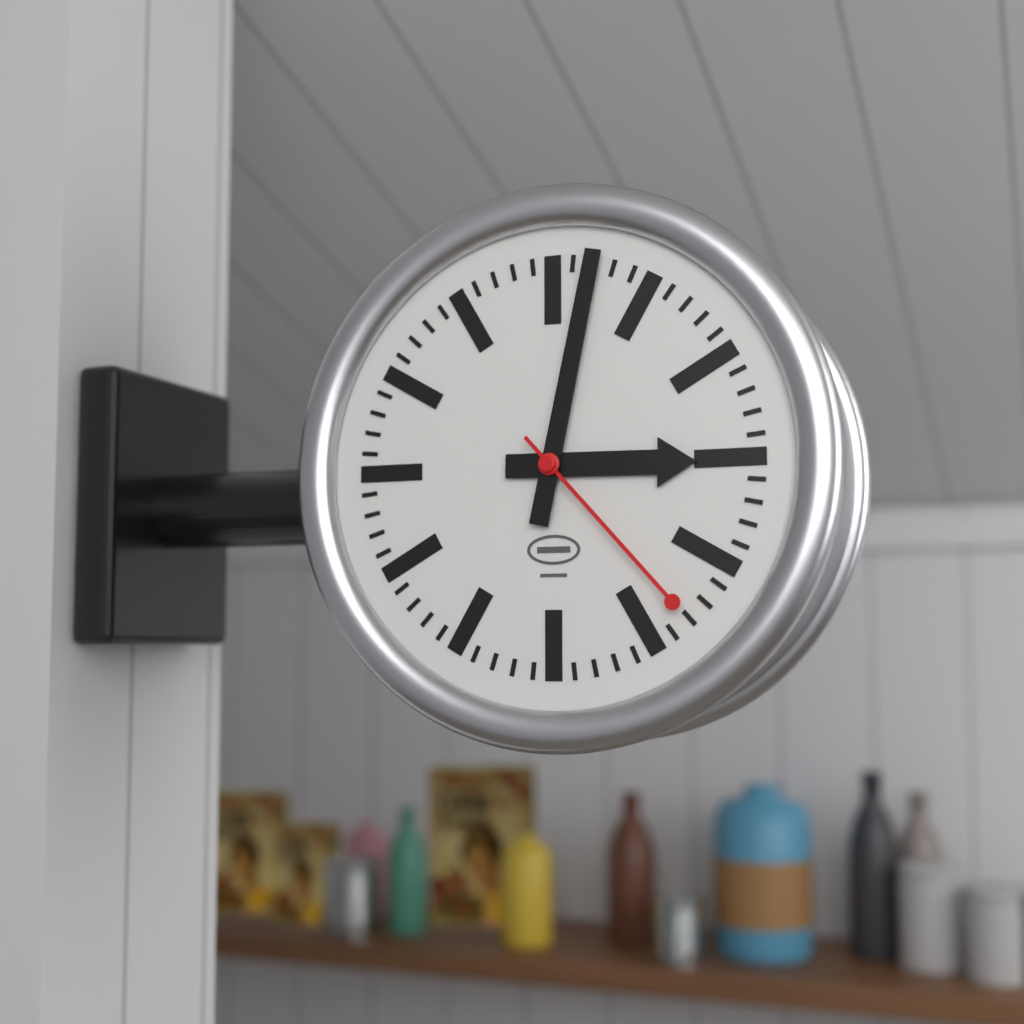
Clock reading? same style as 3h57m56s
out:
3h02m23s
